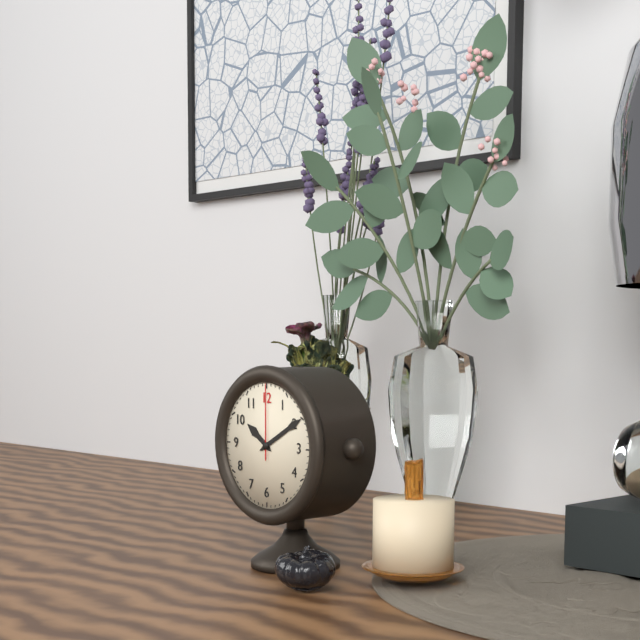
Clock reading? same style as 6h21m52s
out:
10h10m00s
